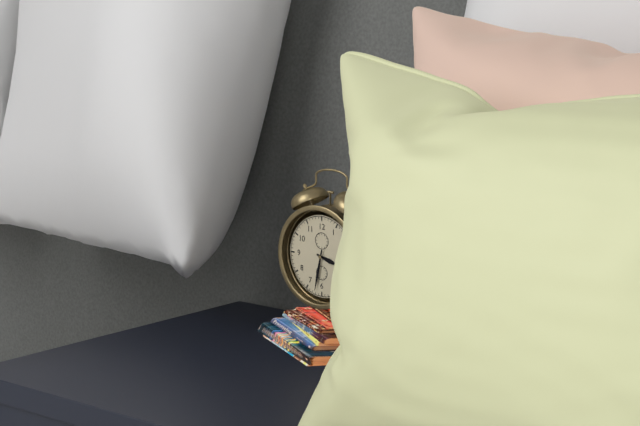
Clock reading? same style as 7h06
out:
3h32
